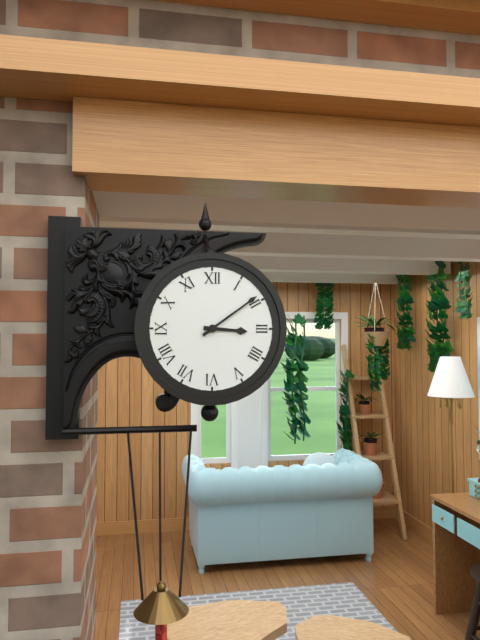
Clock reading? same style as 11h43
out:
3h09
